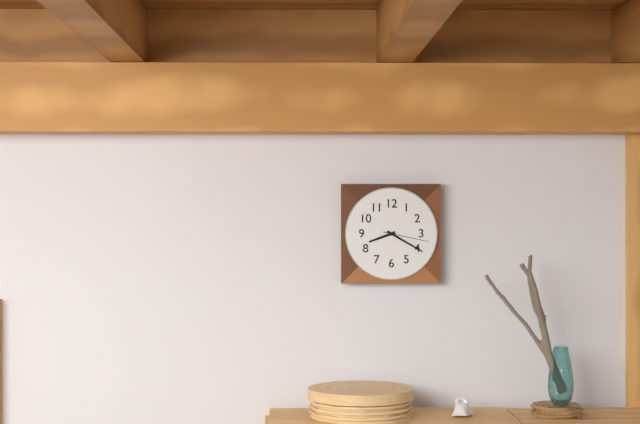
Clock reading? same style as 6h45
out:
8h20
